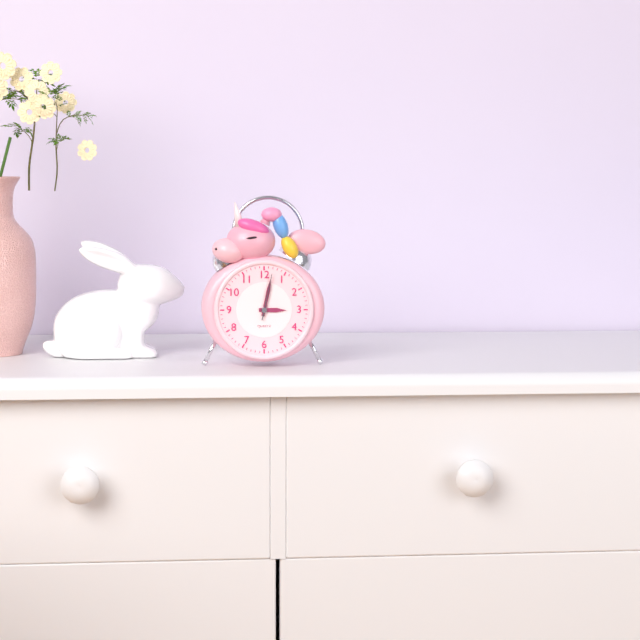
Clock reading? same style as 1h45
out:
3h02
